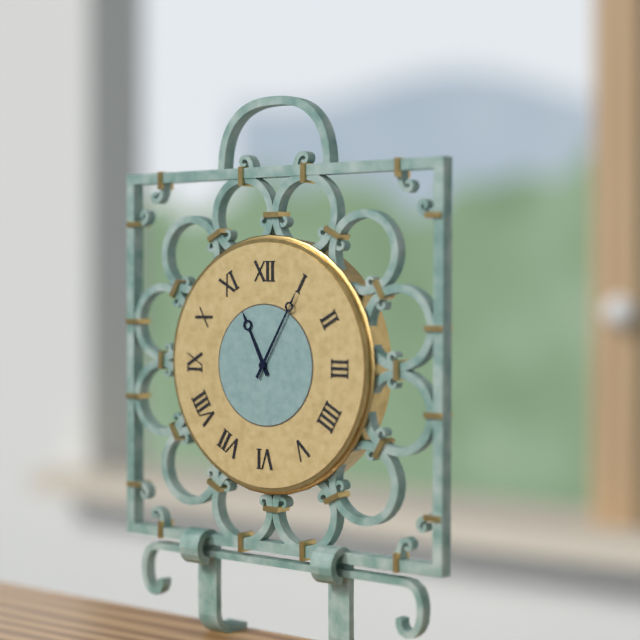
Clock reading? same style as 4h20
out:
11h05
